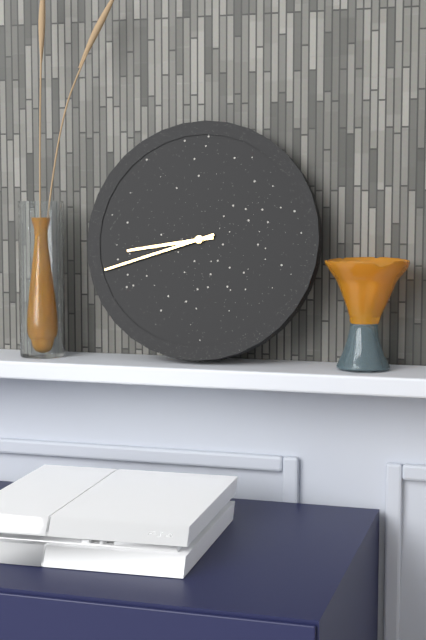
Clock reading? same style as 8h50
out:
8h42
